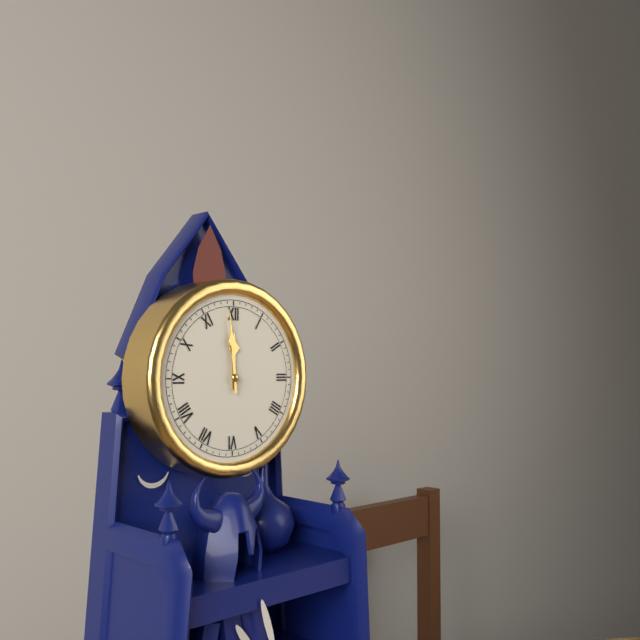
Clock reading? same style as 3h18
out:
11h59
